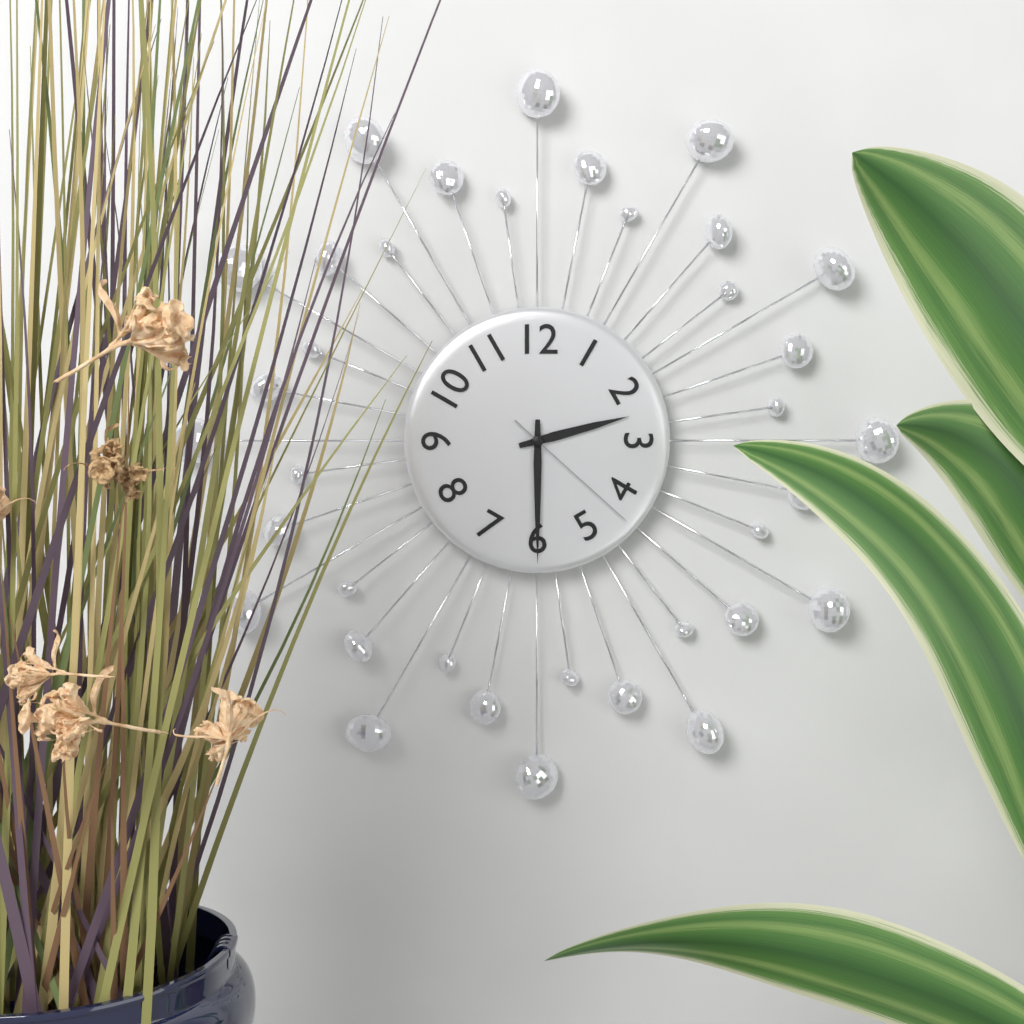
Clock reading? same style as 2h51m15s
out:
2h30m22s
